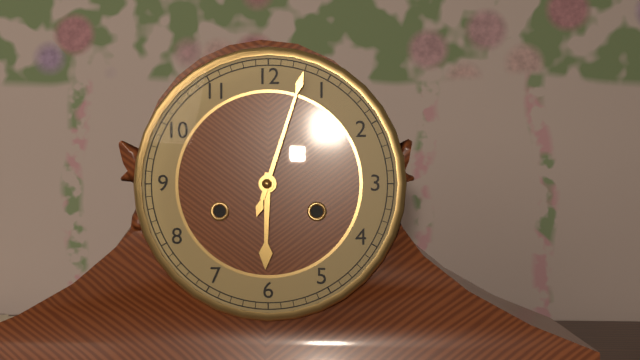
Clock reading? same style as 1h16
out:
6h03
